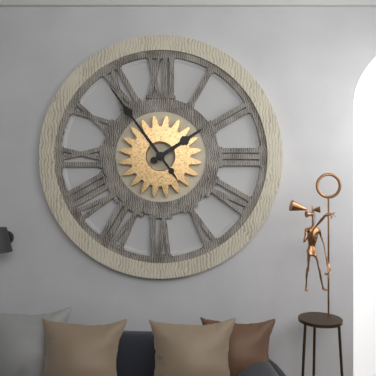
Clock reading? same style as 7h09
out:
1h54
